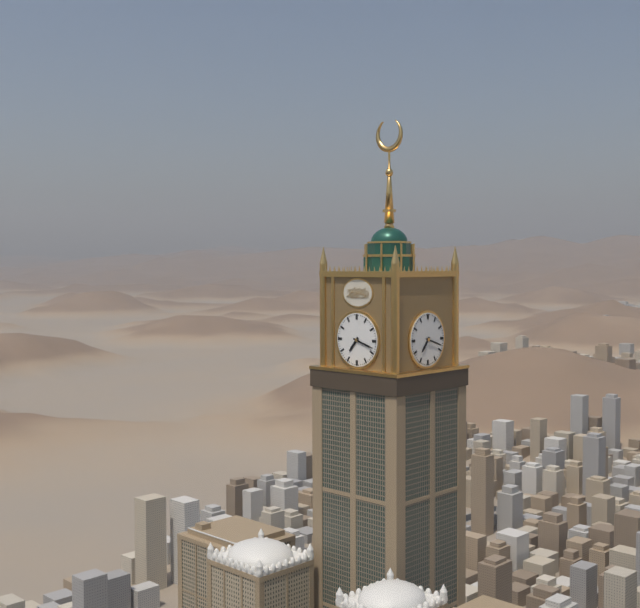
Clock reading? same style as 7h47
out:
7h18
